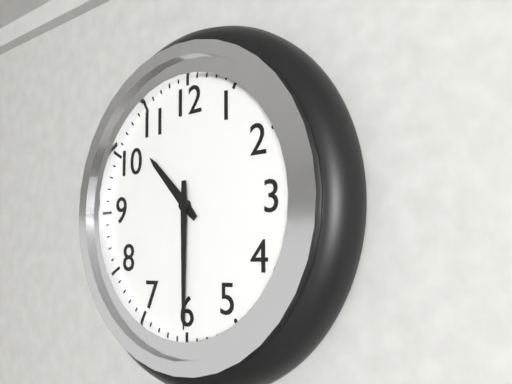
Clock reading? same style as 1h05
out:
10h30
